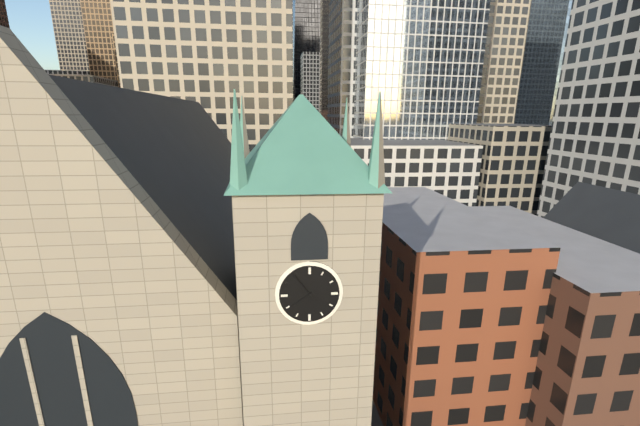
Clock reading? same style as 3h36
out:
7h54
